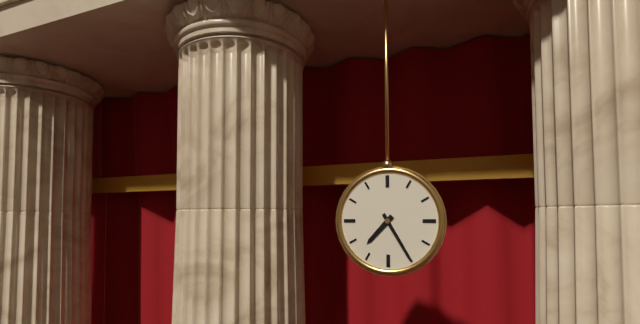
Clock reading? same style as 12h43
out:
7h25
